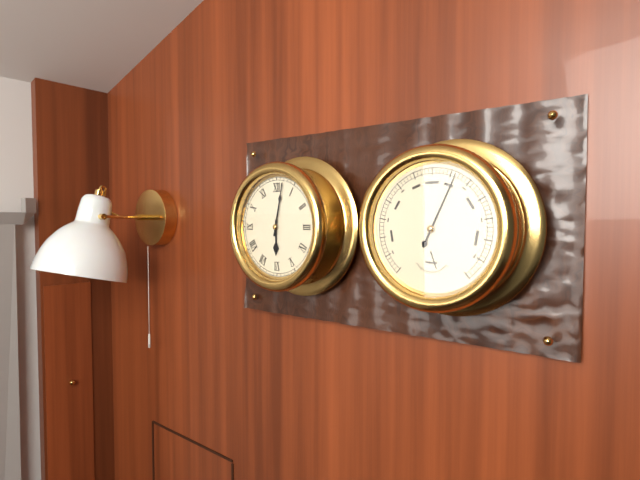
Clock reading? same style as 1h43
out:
6h02
